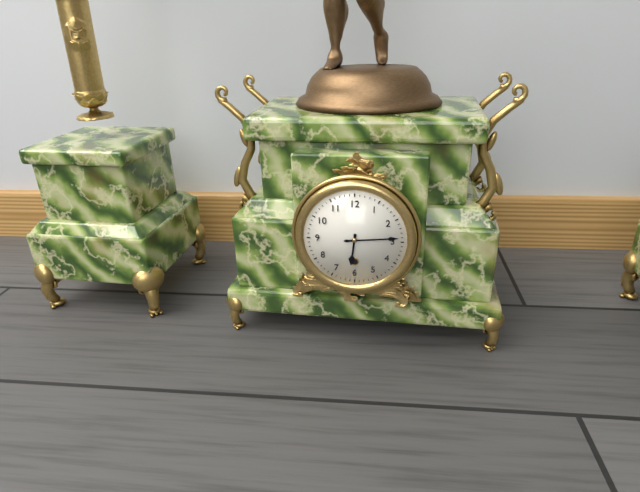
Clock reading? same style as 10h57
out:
6h14
